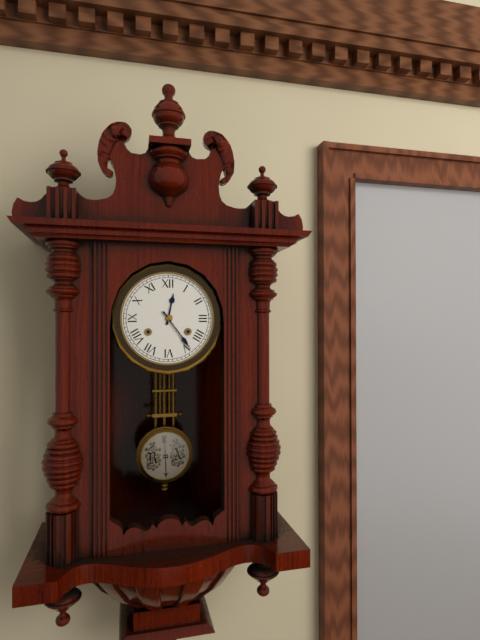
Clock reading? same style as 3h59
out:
12h24
